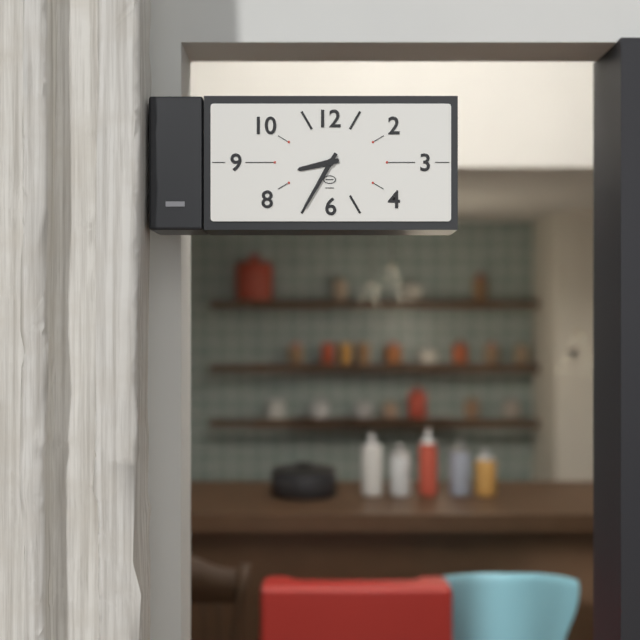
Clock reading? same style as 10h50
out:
8h35
